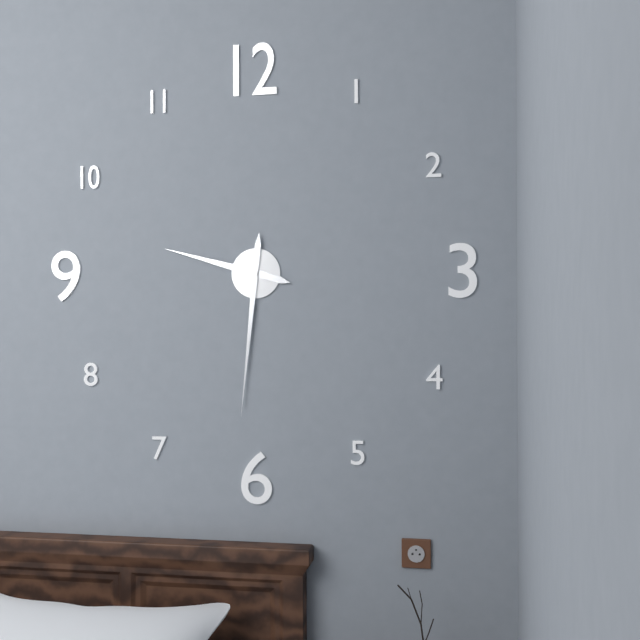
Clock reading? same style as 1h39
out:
9h31
